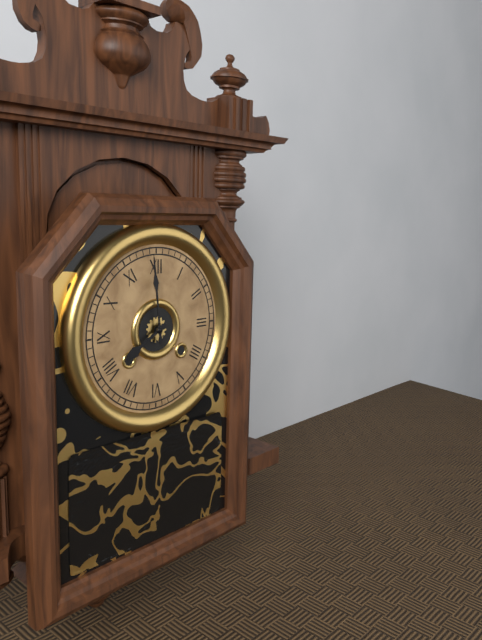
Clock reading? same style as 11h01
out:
7h59
